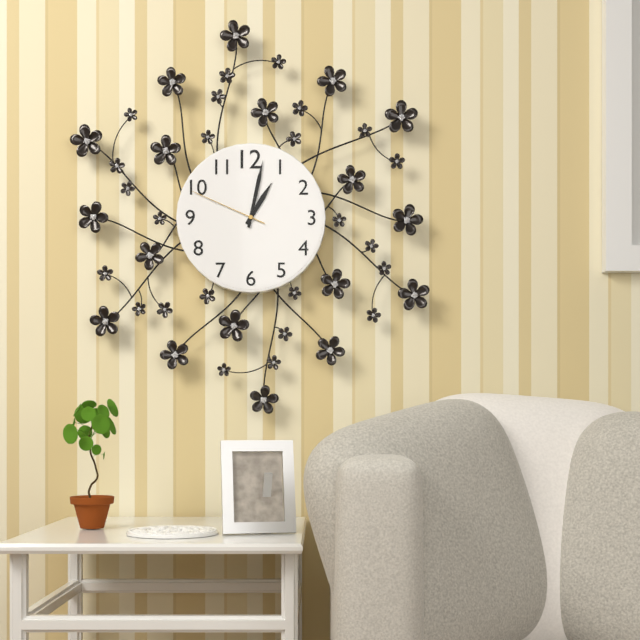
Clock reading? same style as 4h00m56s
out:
1h02m49s
